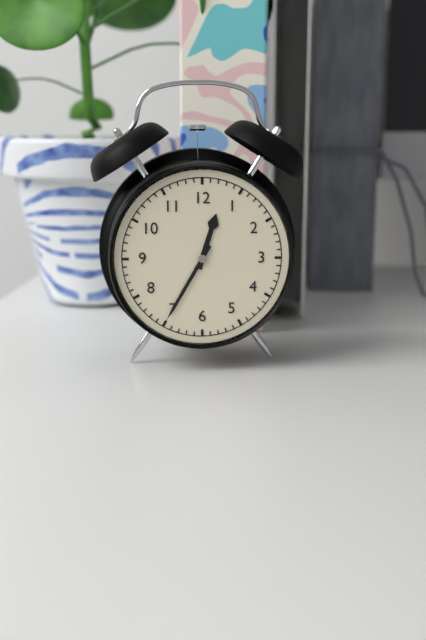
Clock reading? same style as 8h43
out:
12h35
